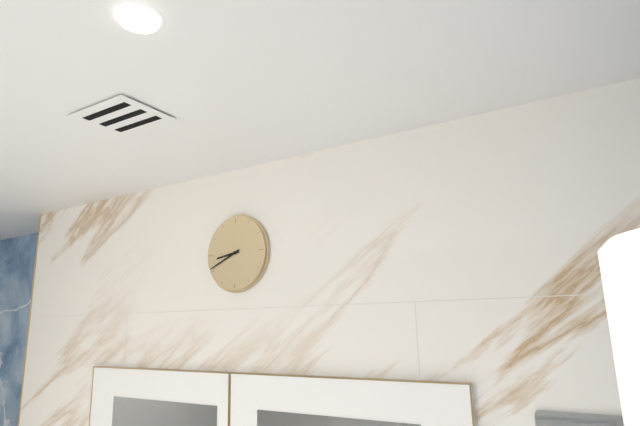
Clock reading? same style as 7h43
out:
8h41
